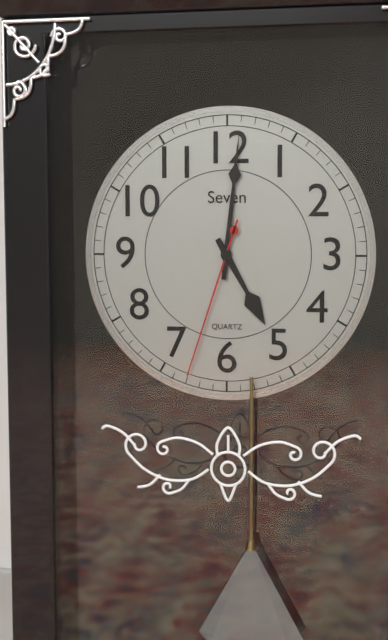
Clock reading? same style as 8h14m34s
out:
5h01m33s
